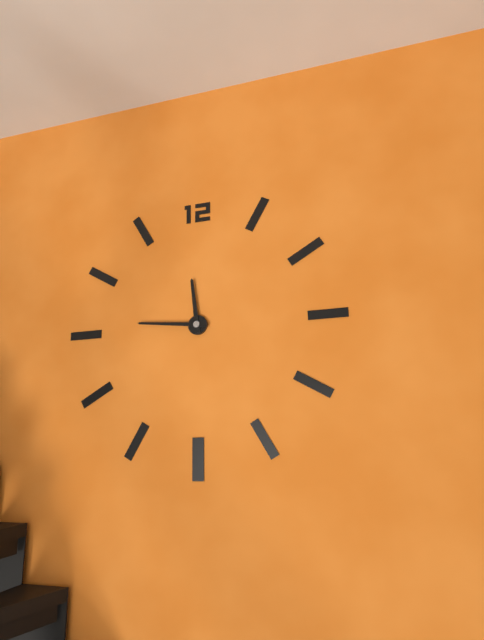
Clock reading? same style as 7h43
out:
11h46
